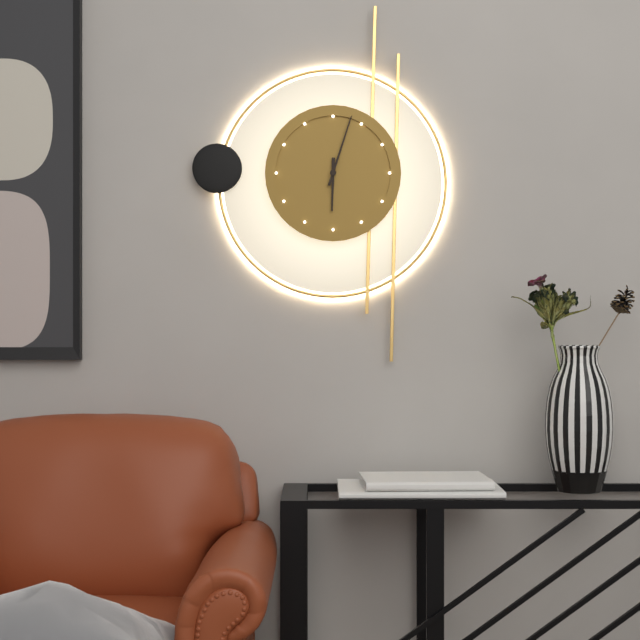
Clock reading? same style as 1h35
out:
6h03
